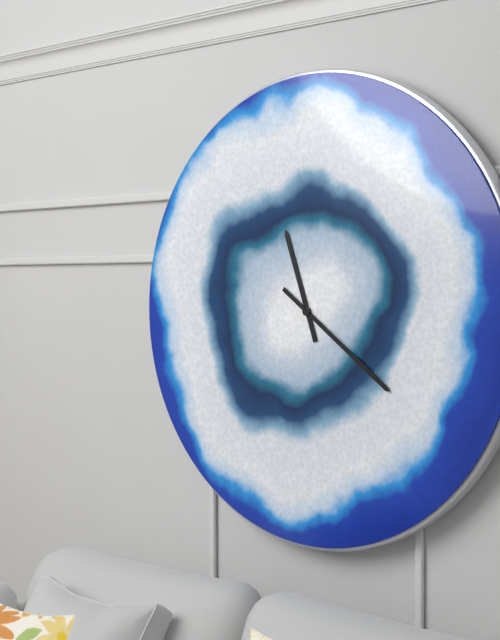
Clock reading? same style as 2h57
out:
11h21
